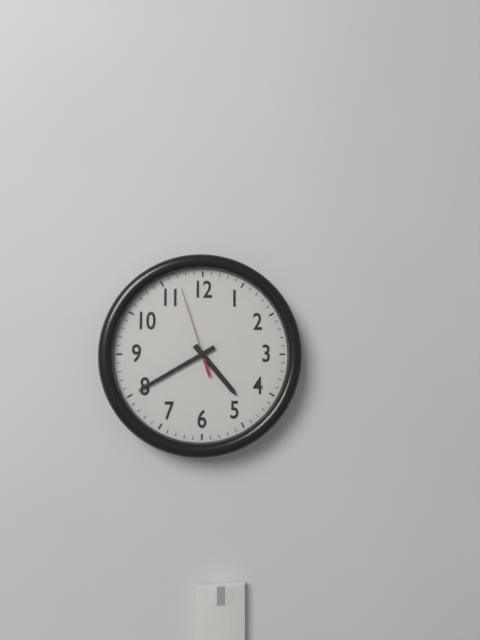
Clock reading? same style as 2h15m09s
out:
4h40m57s
